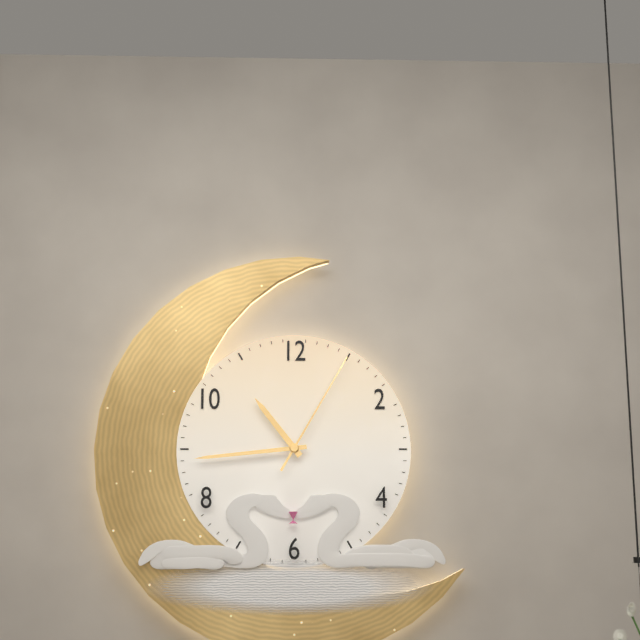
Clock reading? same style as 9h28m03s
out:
10h44m05s
